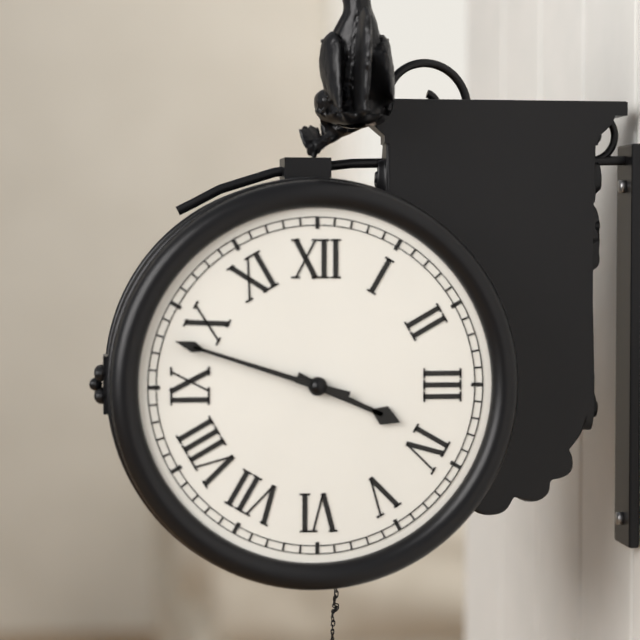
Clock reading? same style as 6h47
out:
3h48
